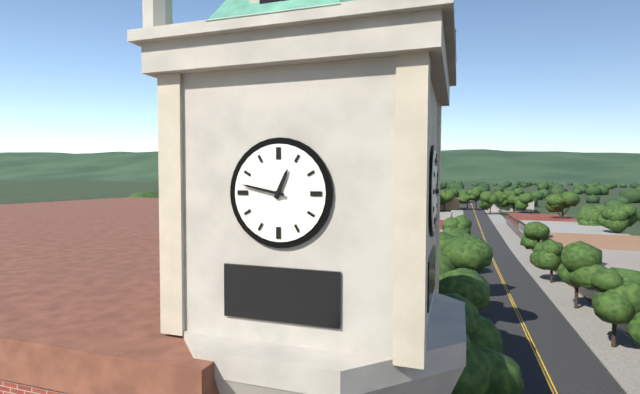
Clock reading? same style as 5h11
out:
12h47
